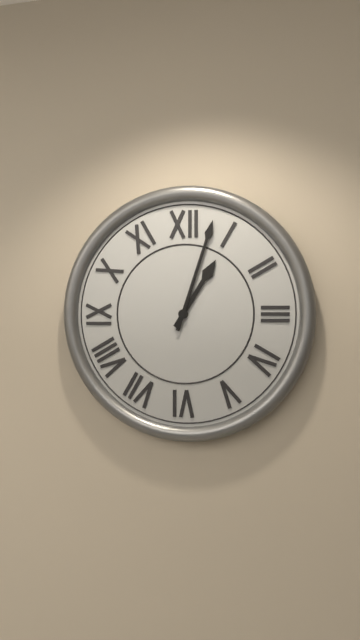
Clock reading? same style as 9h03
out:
1h03
